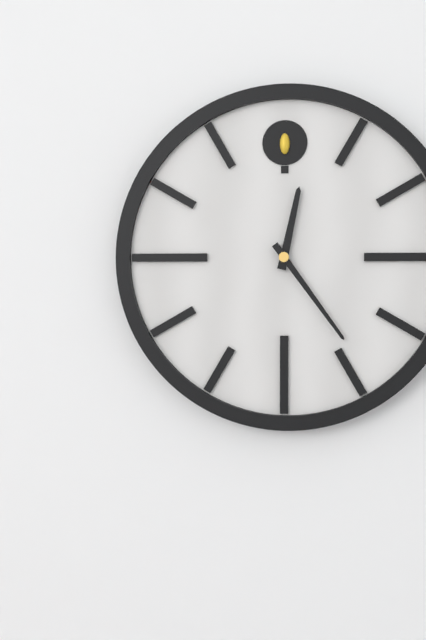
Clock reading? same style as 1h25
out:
12h24
